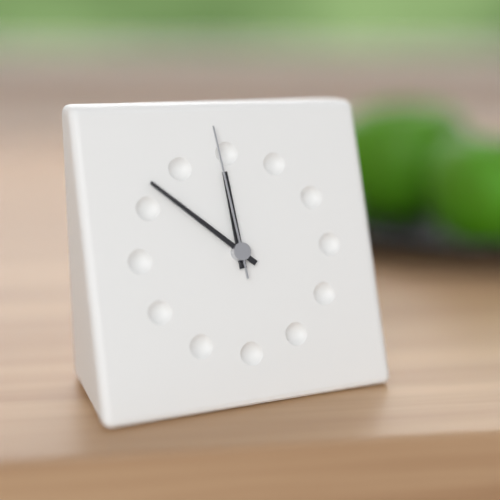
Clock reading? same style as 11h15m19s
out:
11h52m59s
